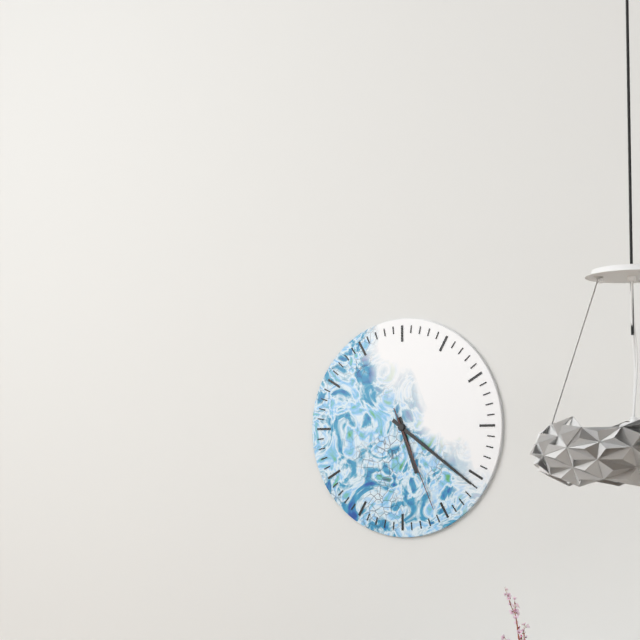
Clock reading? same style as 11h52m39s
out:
5h21m26s
